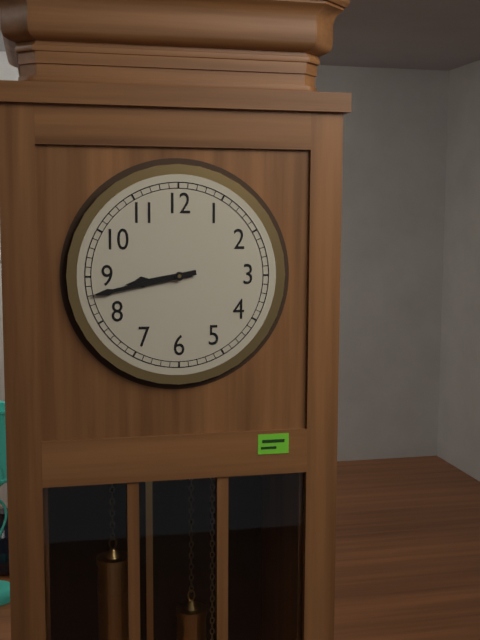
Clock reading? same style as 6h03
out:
8h43
